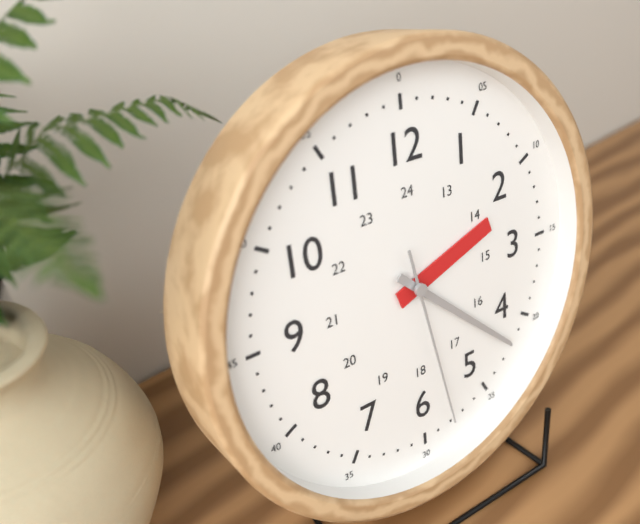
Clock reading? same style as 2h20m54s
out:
2h22m28s
